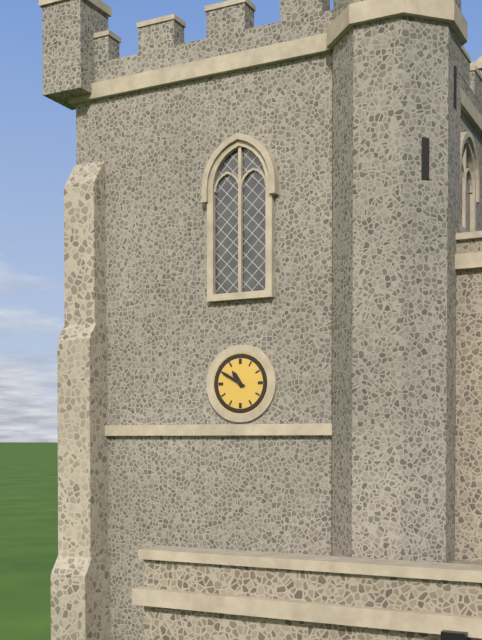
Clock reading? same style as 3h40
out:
10h50
